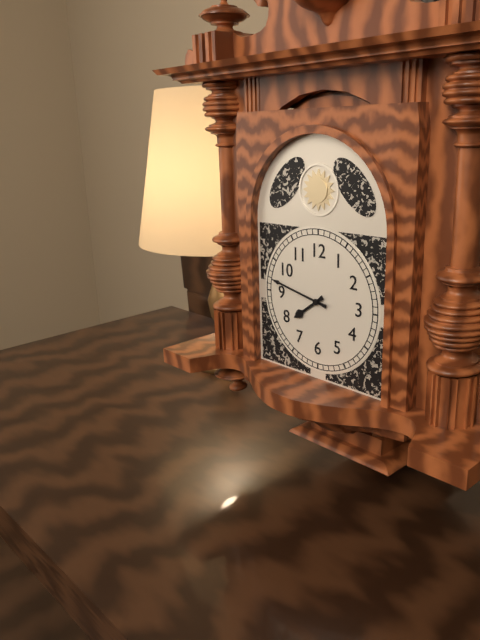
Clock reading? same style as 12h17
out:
7h47
